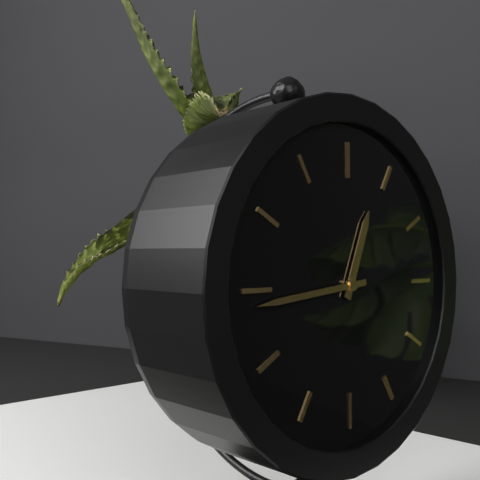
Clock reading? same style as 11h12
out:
12h44
